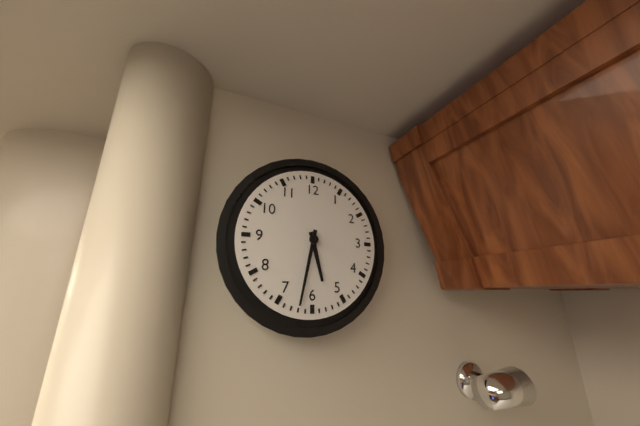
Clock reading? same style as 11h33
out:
5h32
